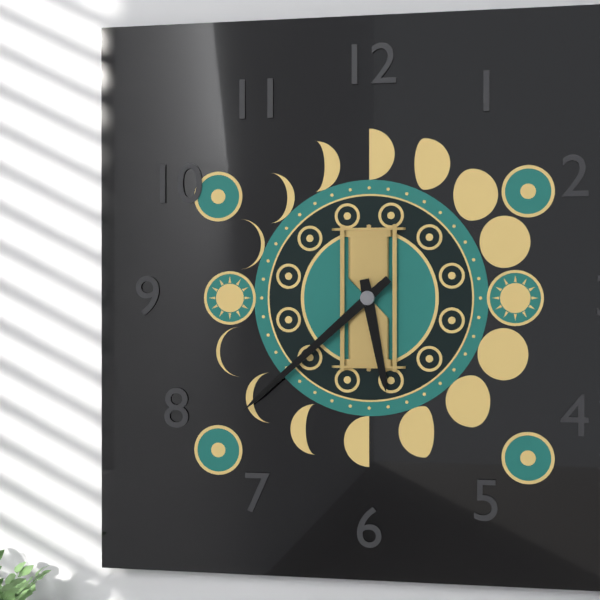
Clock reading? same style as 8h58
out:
5h38
